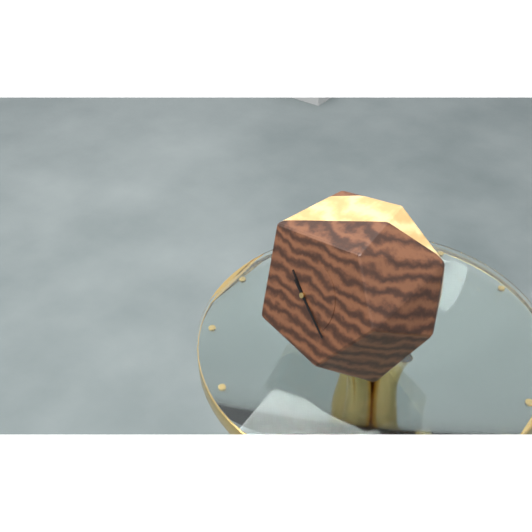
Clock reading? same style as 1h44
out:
10h21
